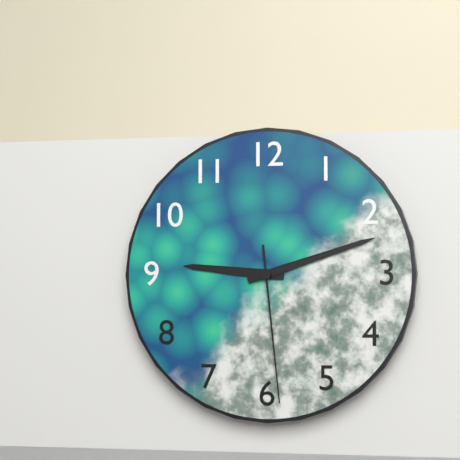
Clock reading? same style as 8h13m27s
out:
9h12m29s
